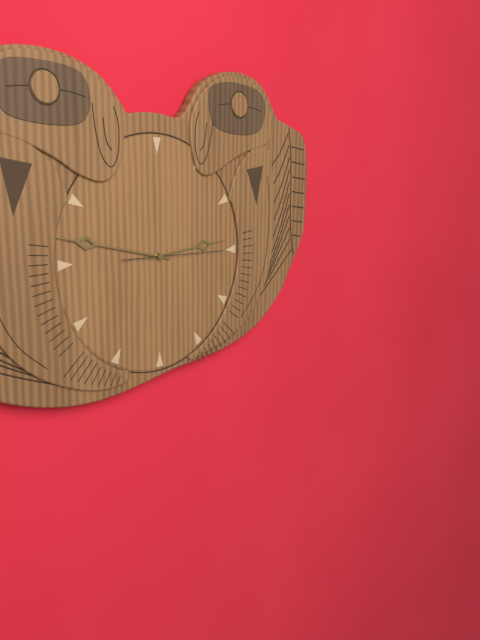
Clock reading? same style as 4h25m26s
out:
2h47m15s
